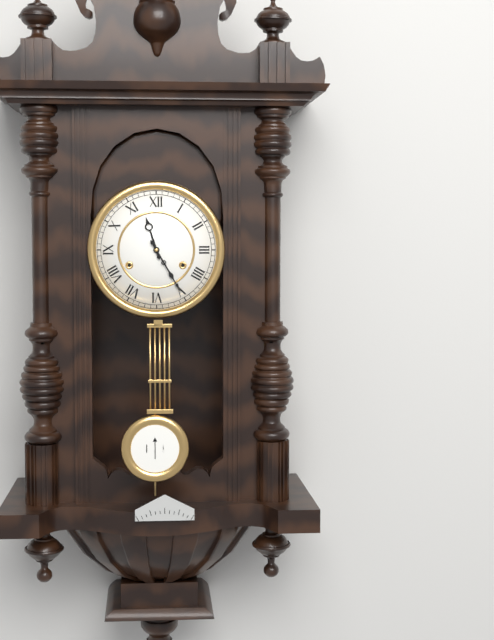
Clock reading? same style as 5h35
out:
11h25
